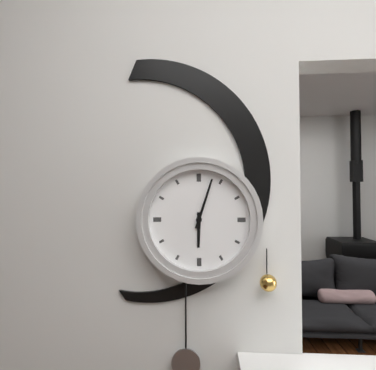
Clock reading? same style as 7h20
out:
6h03
